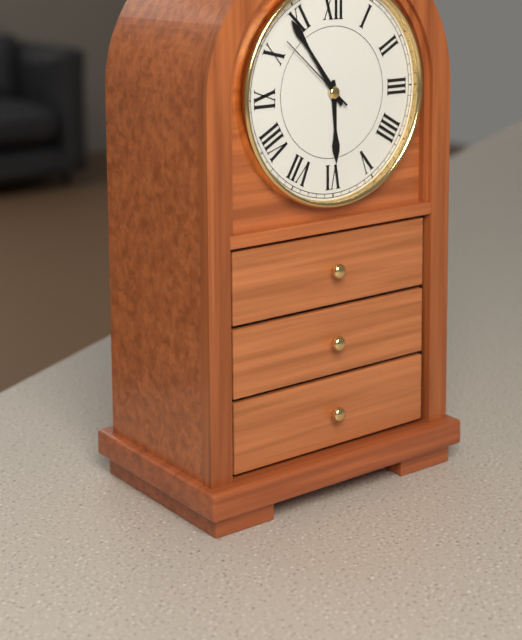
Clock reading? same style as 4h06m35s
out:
5h54m52s
